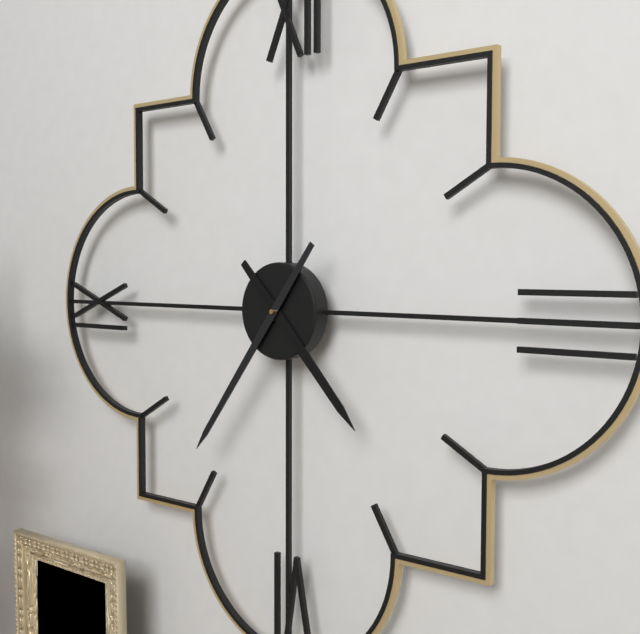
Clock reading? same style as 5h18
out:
4h36
